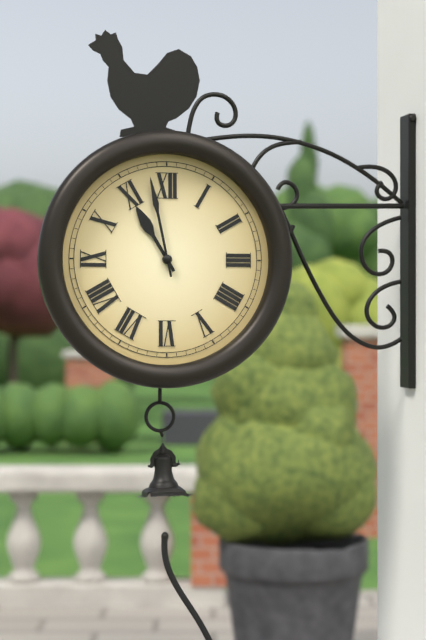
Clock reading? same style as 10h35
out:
10h58
